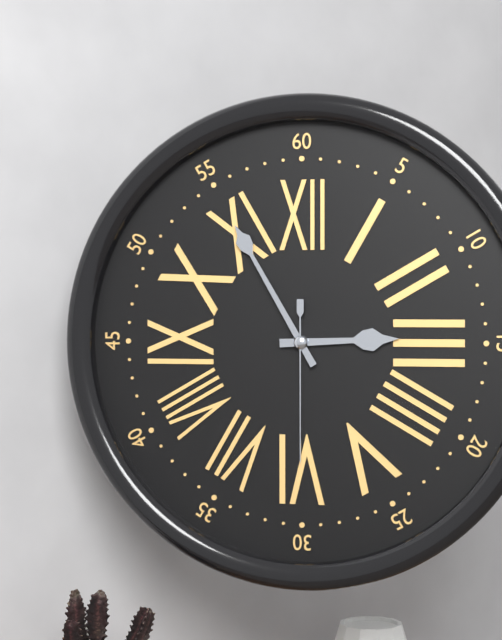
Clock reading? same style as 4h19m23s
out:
2h55m30s
